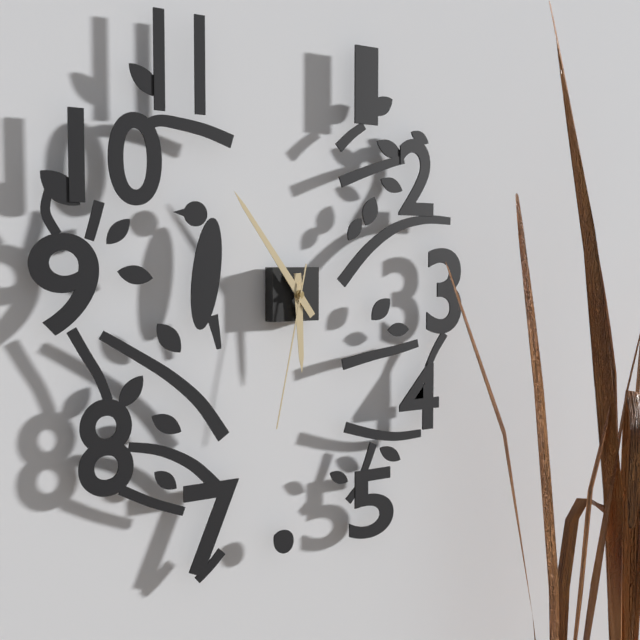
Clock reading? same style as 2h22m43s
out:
5h54m32s
